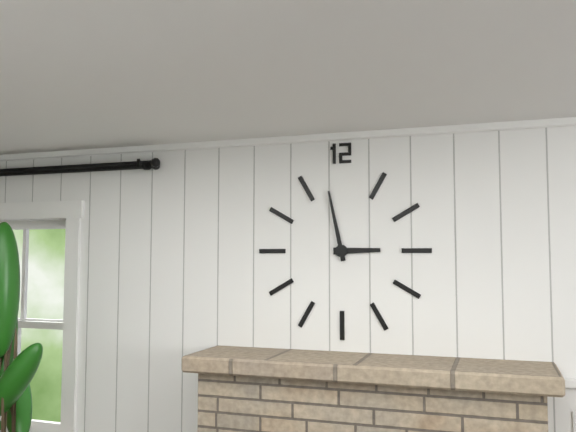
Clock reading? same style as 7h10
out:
2h58
